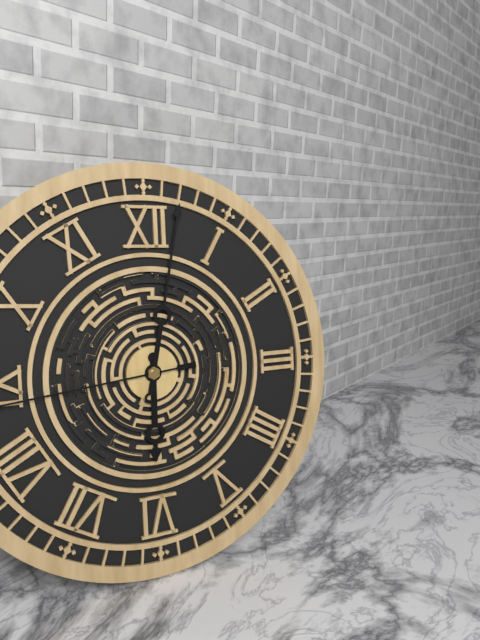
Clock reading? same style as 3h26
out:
6h02
